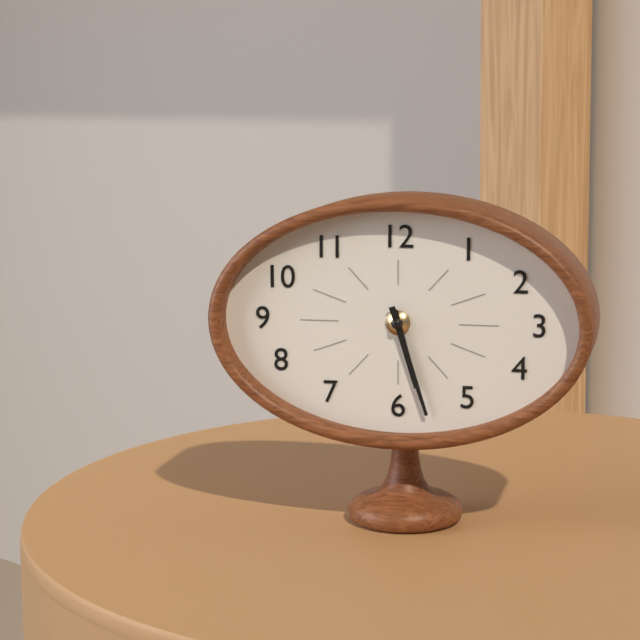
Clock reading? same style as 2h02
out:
5h27
